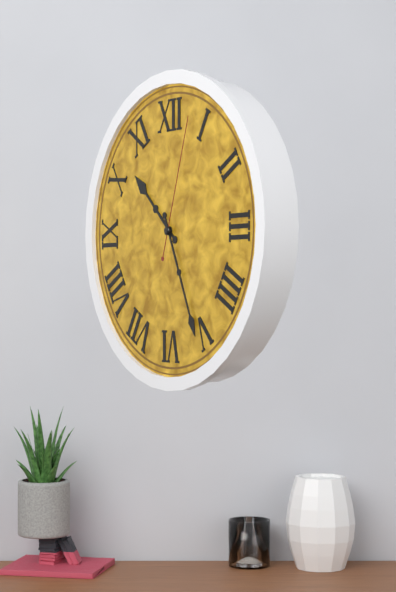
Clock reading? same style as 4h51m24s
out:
10h26m03s
